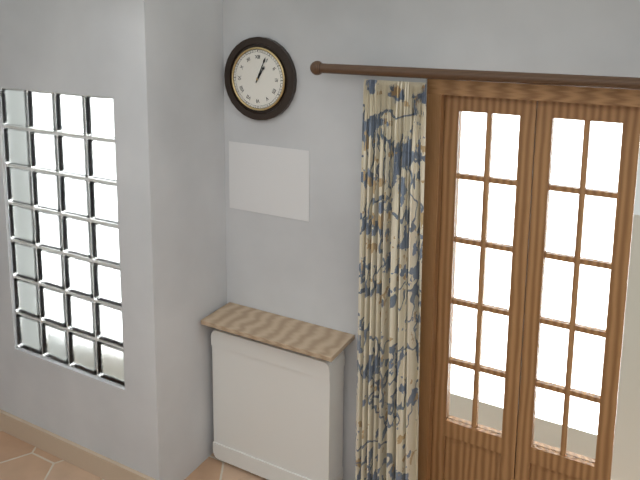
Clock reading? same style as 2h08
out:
1h04
